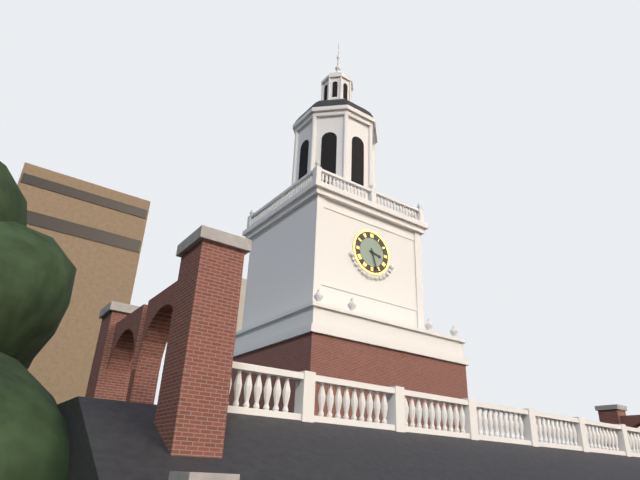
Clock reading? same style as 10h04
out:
3h27
